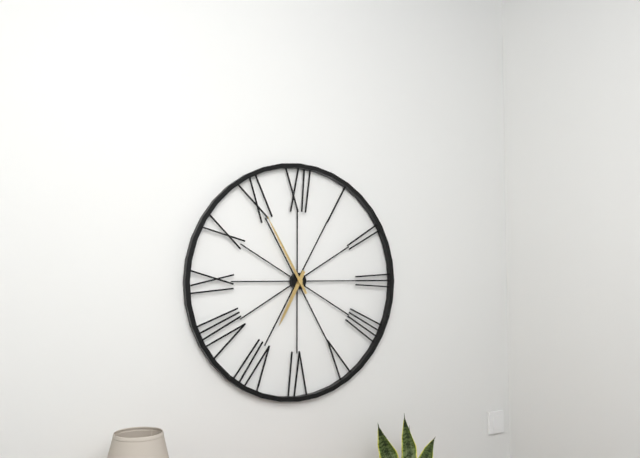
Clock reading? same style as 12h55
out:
6h55
